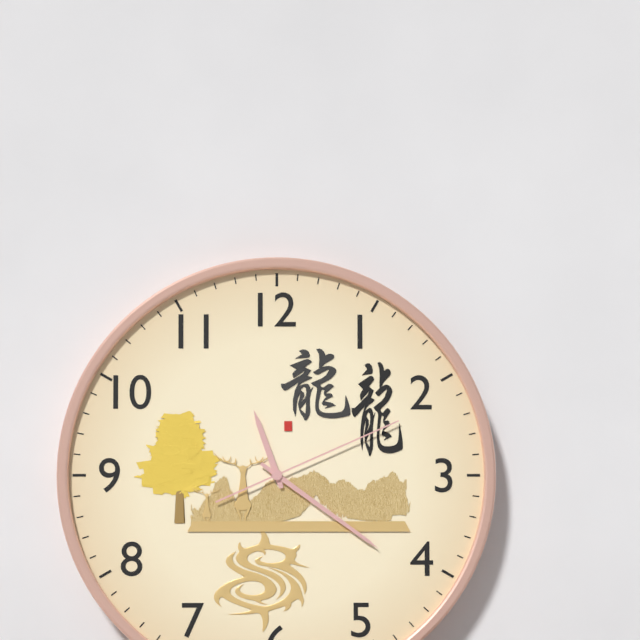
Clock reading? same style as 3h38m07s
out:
11h21m11s
